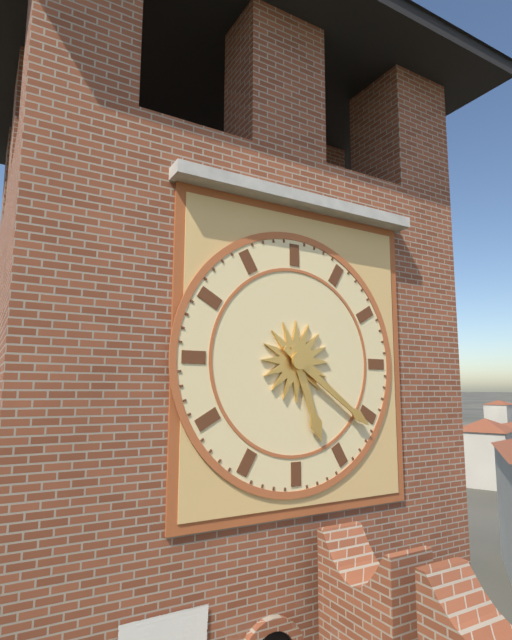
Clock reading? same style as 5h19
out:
5h21
